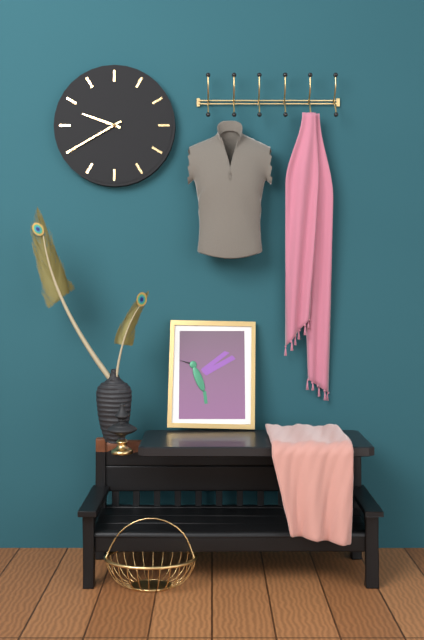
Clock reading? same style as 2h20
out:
9h40
